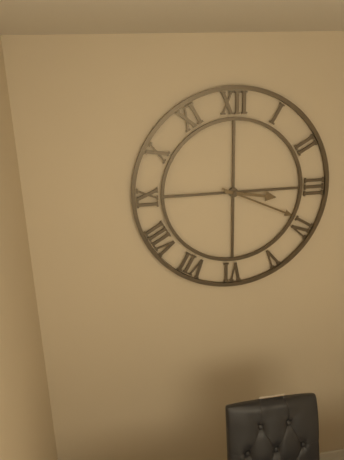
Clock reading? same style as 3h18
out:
3h19
